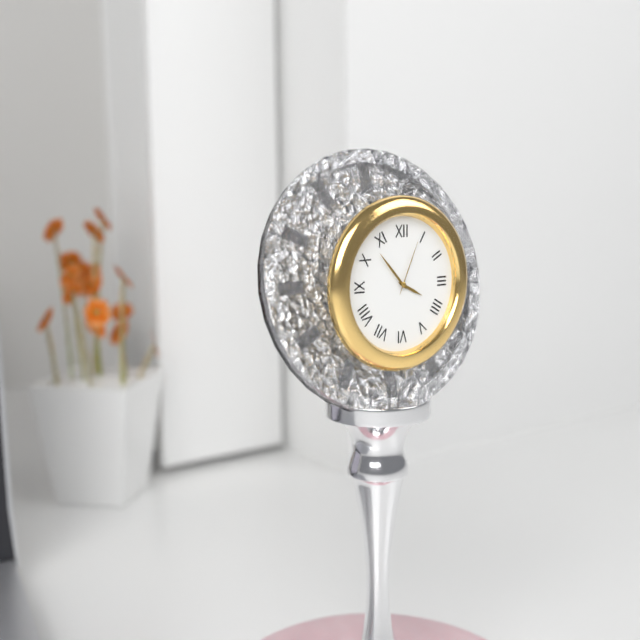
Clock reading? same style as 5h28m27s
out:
3h53m04s
